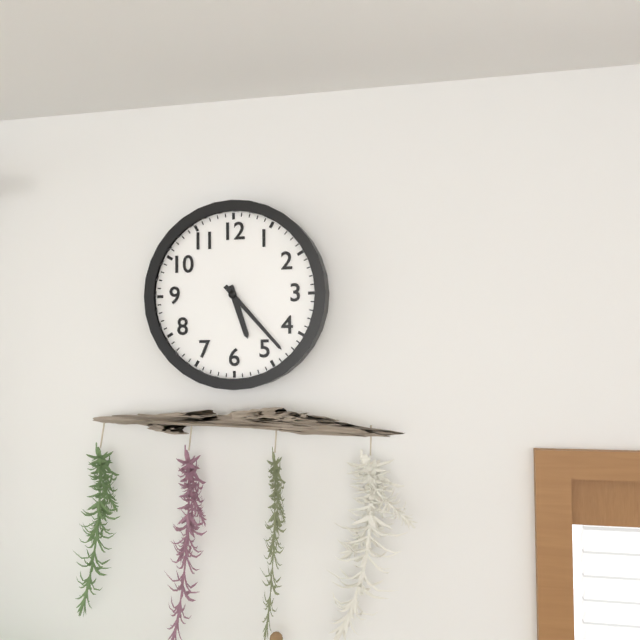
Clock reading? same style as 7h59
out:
5h23
